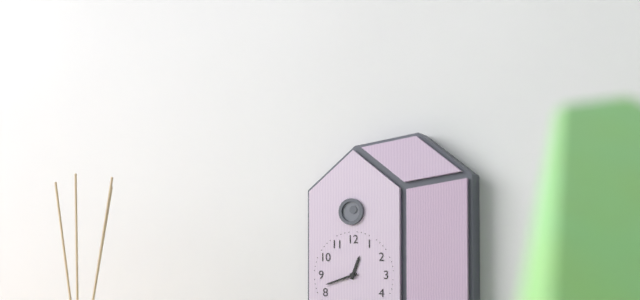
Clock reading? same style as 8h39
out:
12h42
